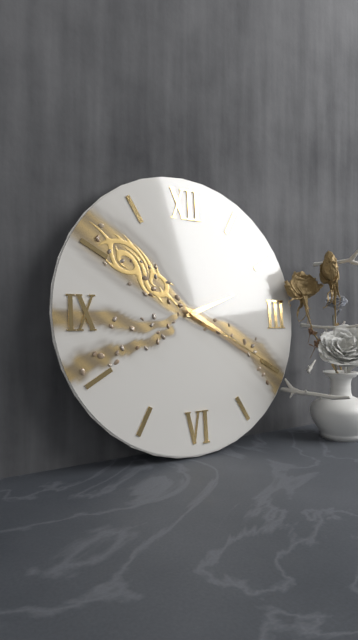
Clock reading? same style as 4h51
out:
2h20
